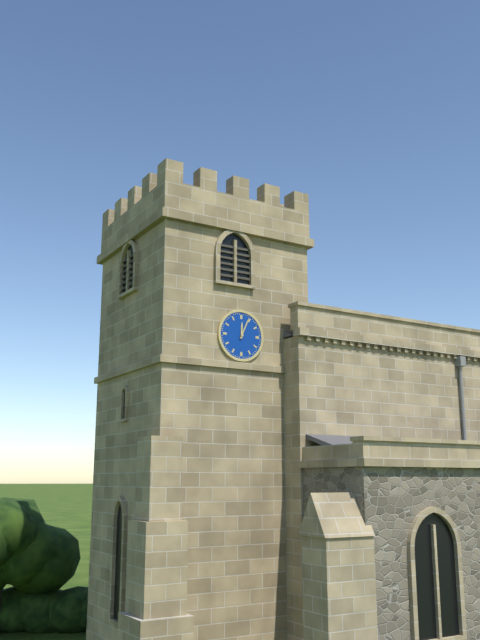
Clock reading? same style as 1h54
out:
12h04
